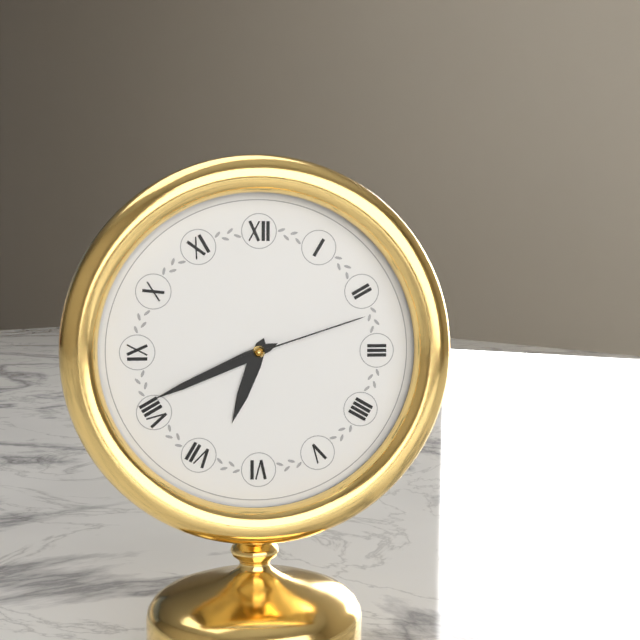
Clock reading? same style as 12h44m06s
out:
6h41m12s
